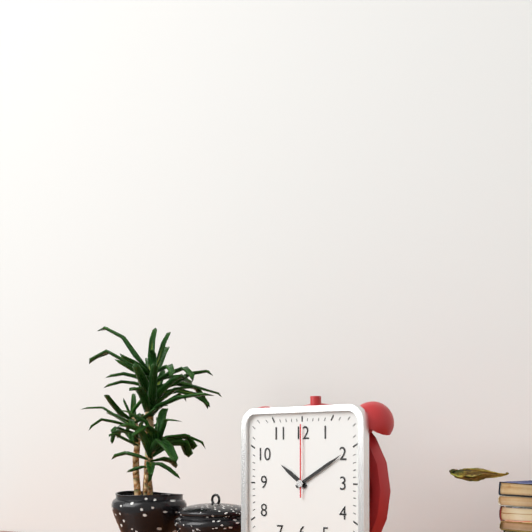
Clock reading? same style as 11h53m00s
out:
10h10m00s
